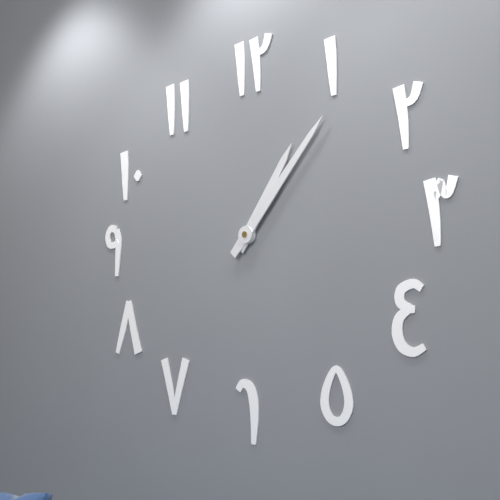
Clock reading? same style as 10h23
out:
1h07
